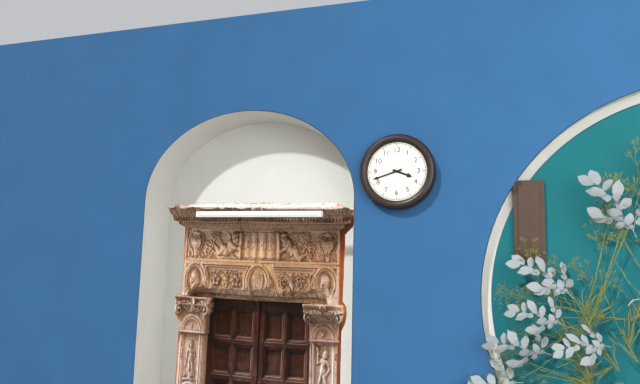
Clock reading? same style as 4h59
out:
3h42
